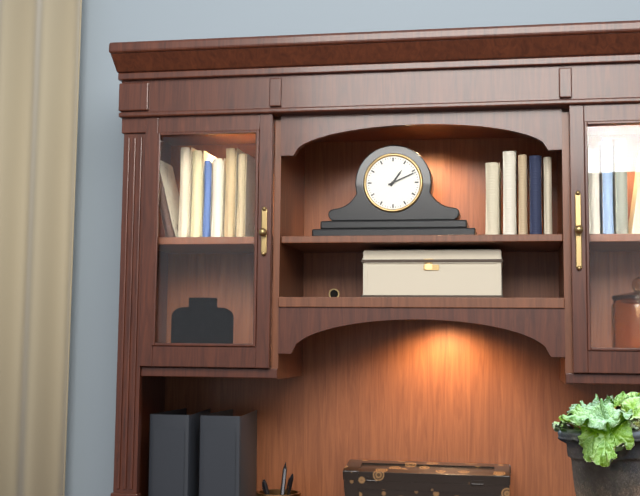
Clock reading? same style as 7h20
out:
1h11
